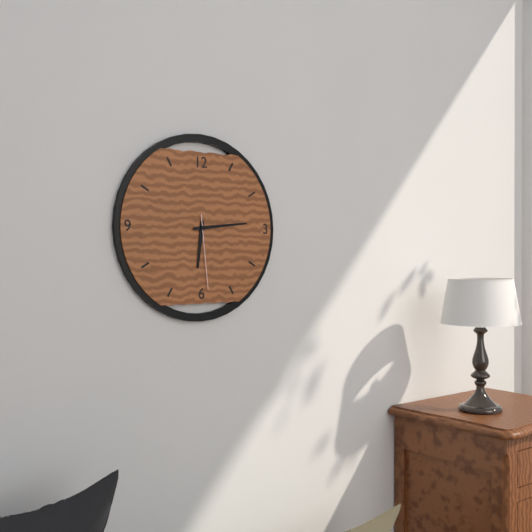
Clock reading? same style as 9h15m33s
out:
6h14m29s
